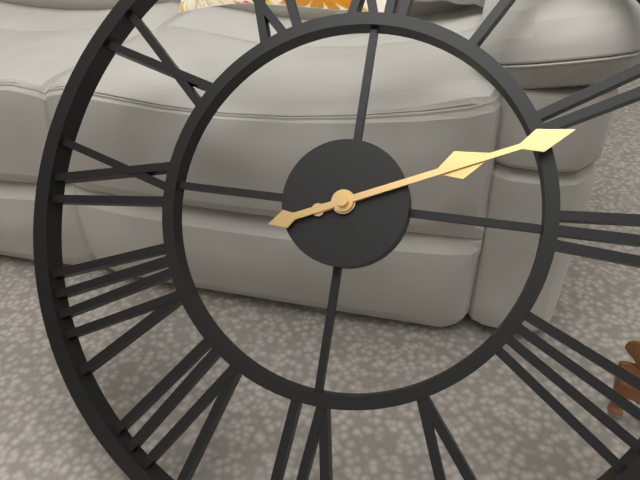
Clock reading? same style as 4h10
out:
2h11
